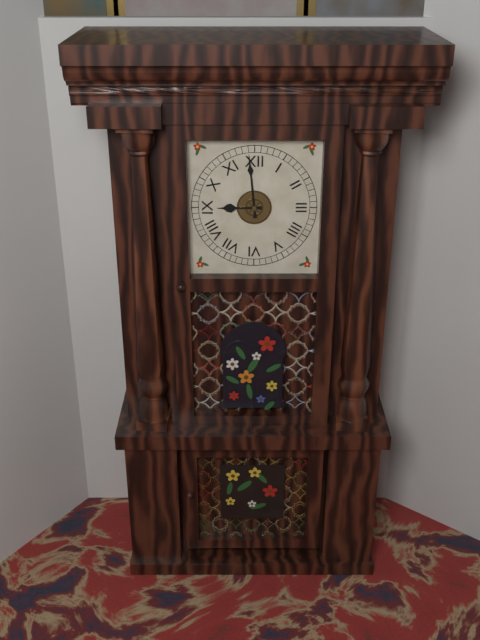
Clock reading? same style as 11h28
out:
8h59
